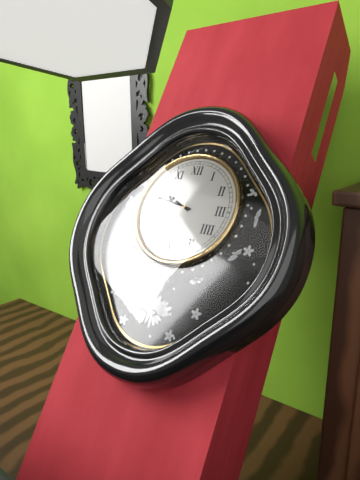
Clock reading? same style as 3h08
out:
9h47
